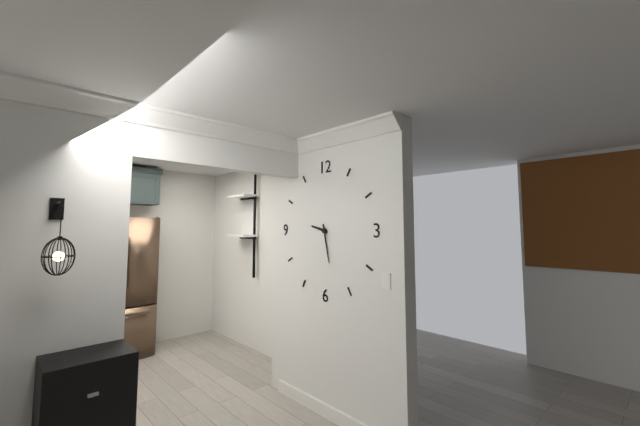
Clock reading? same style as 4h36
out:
9h28
